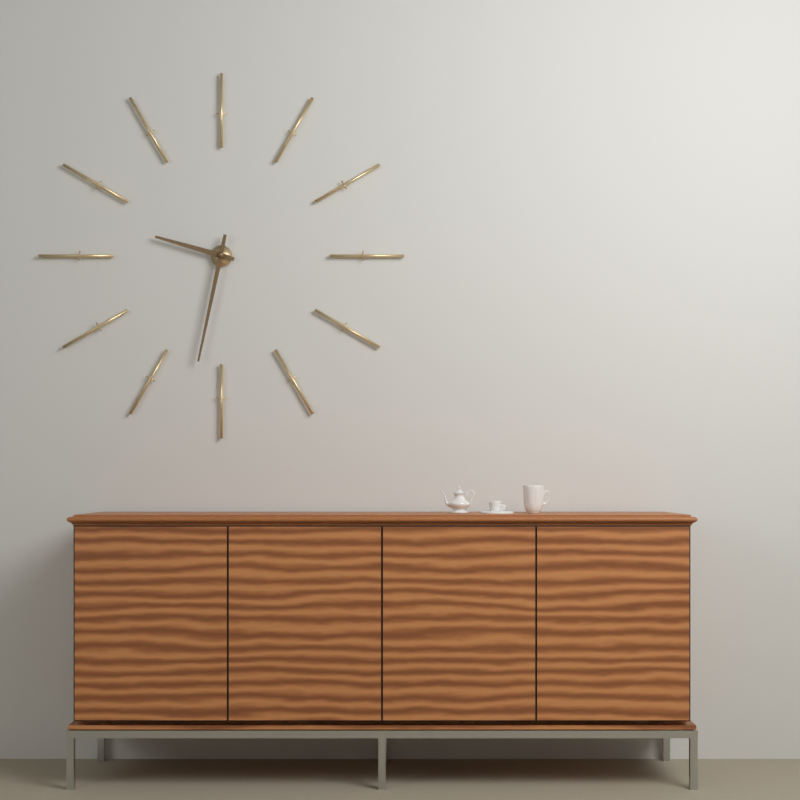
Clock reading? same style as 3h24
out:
9h32
